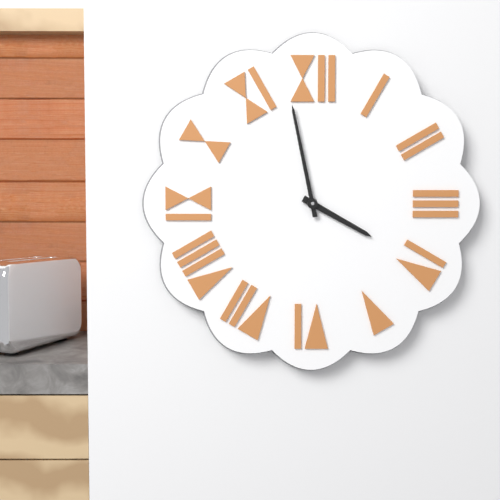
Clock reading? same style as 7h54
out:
3h58
